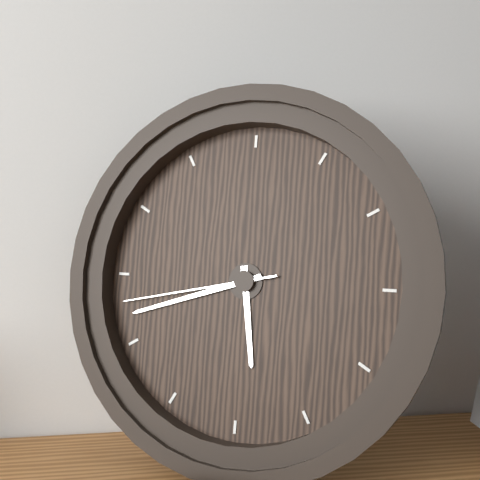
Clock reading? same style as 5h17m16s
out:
5h42m43s
